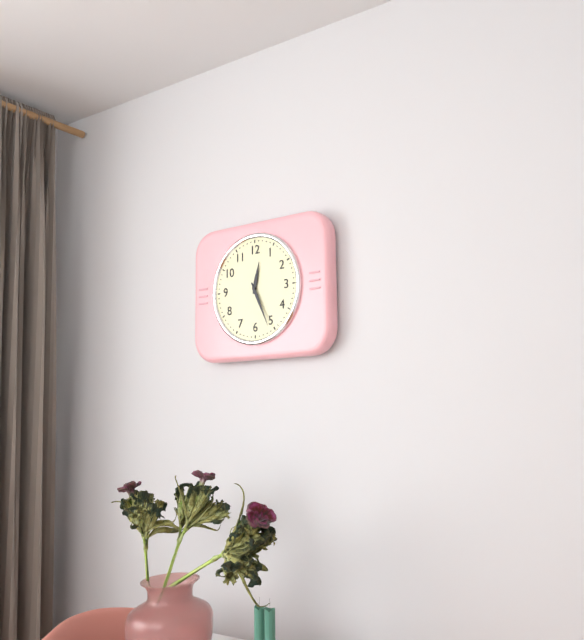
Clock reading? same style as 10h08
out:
12h26
